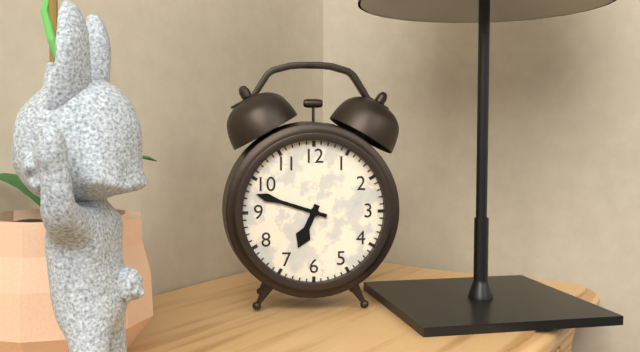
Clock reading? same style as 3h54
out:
6h48
